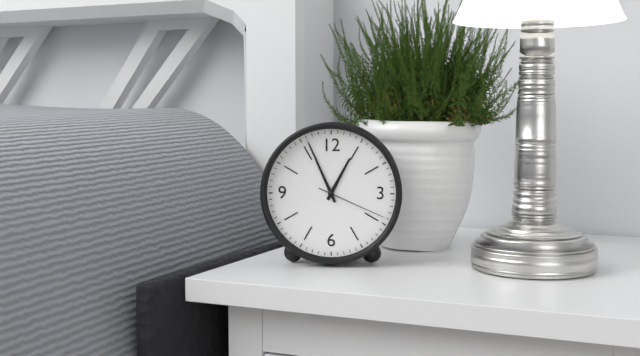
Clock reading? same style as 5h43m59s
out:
12h56m19s
